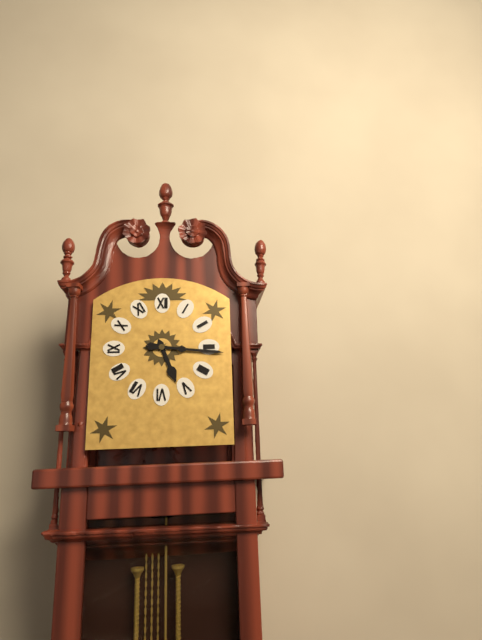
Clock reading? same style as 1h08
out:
5h16
